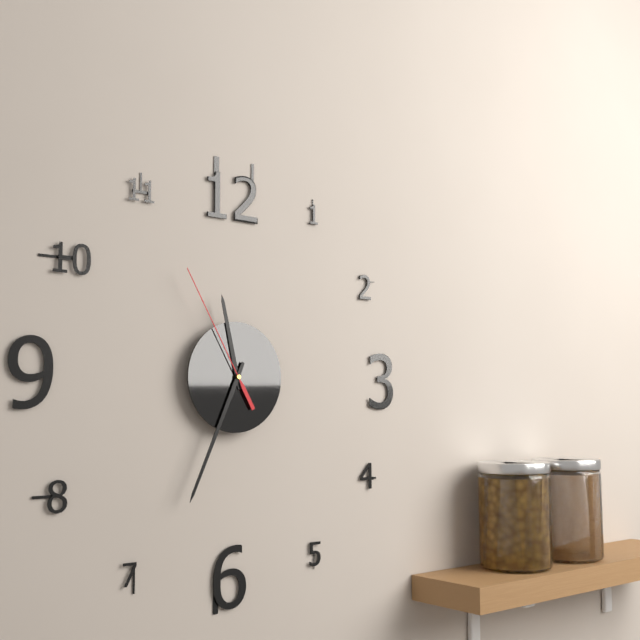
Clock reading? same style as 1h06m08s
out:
11h34m55s
